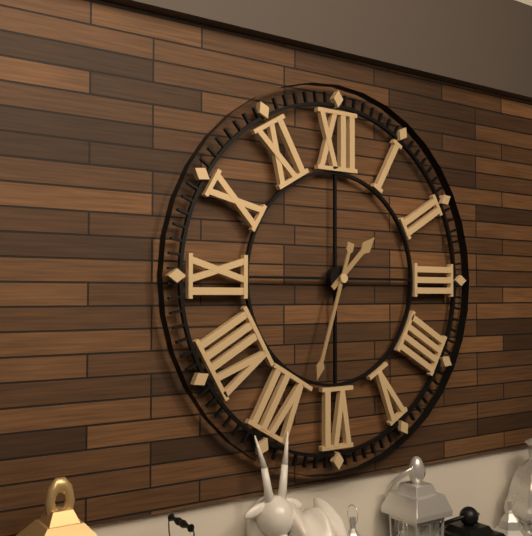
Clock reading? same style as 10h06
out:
1h33
